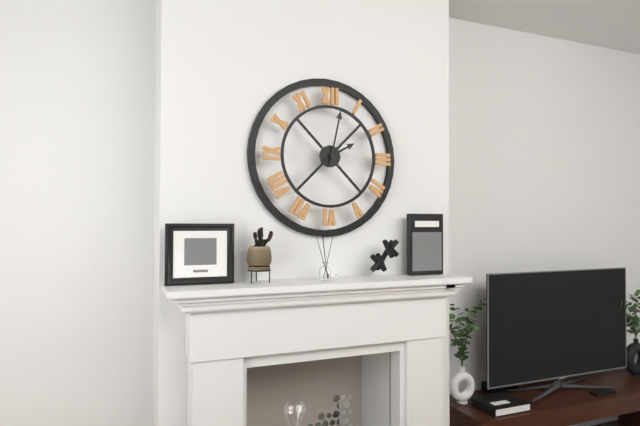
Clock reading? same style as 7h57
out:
2h02
